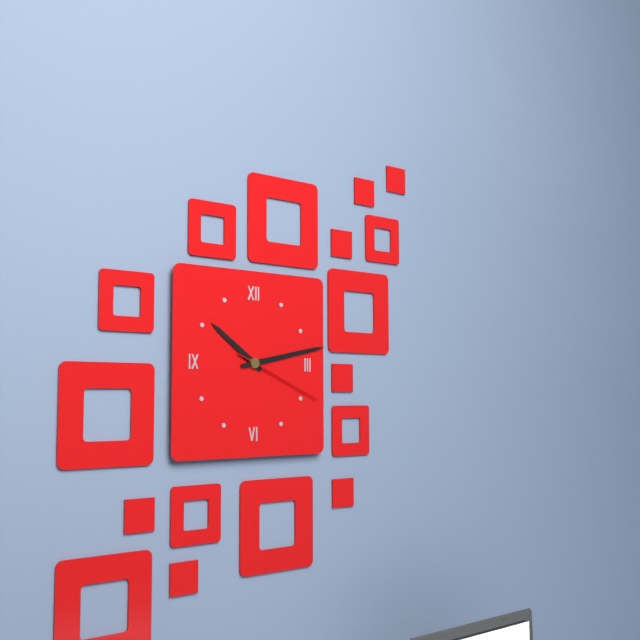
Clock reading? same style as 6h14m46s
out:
10h13m19s
